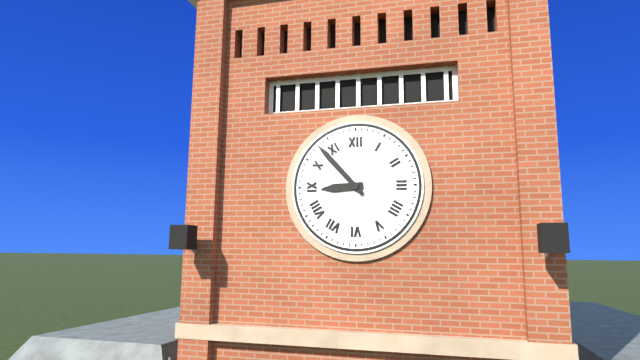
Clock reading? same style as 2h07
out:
8h53
